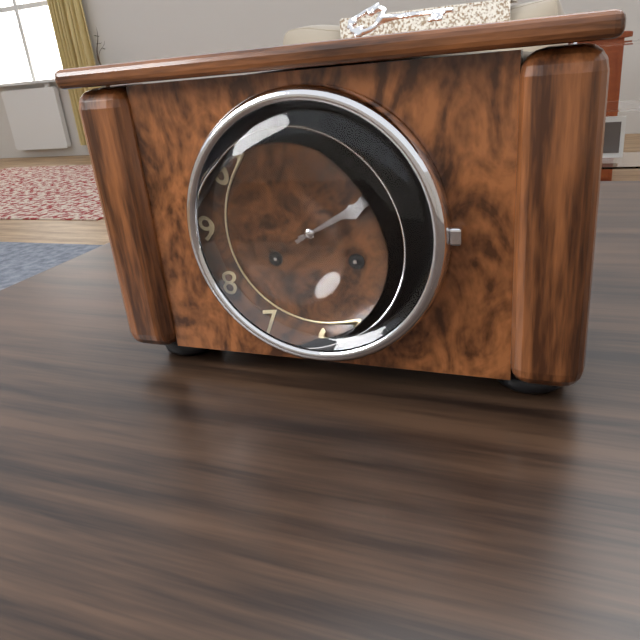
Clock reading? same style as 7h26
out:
2h10
